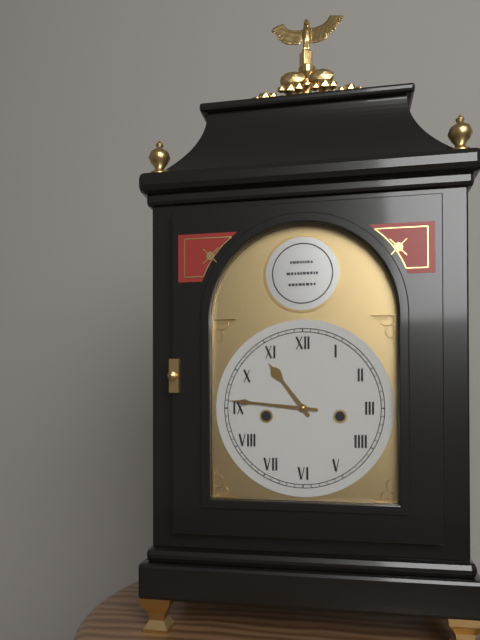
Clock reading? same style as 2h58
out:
10h46
